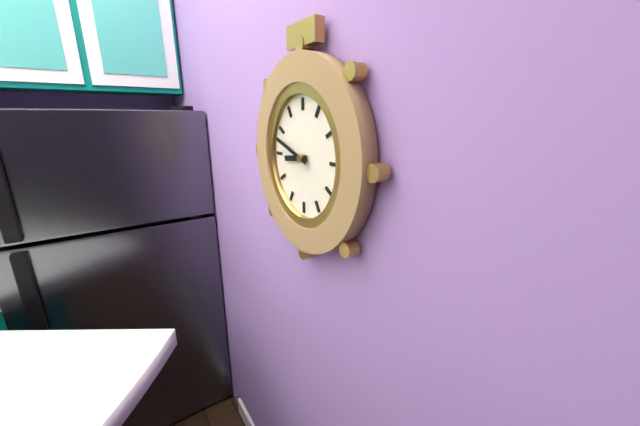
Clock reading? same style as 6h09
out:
8h48
